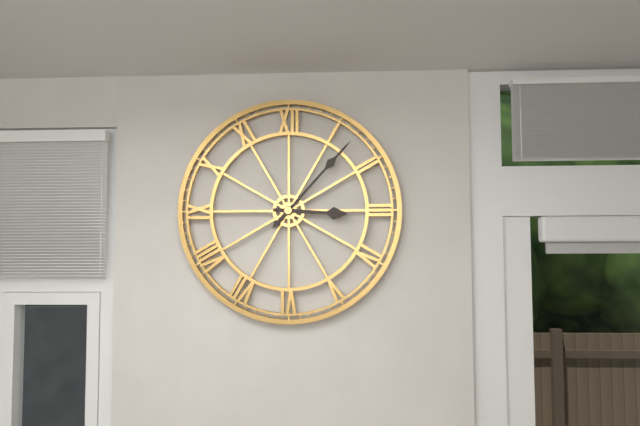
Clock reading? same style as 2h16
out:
3h07
